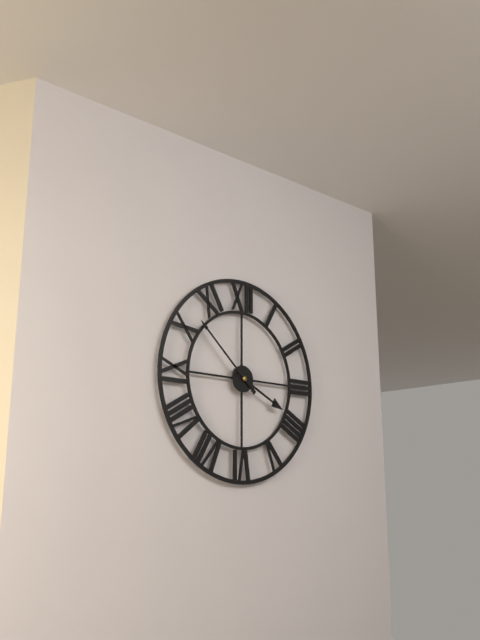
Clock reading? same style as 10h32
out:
3h52
